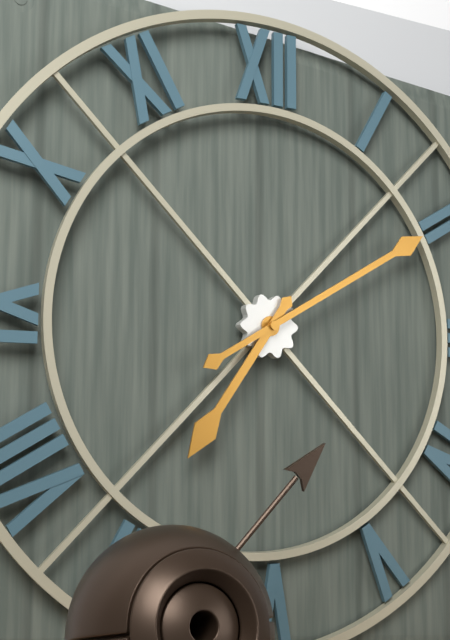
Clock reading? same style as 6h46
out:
7h10
